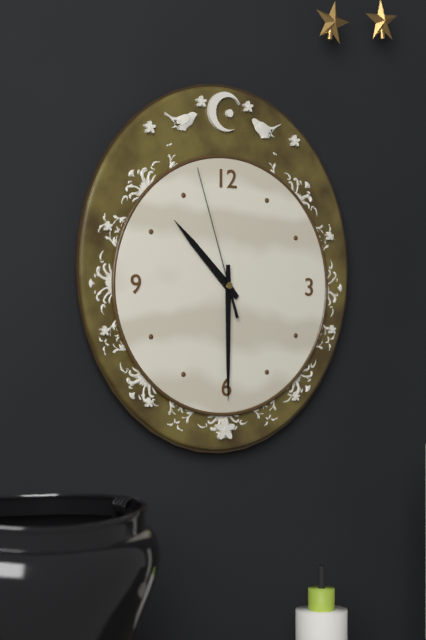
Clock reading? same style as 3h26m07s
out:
10h30m57s
